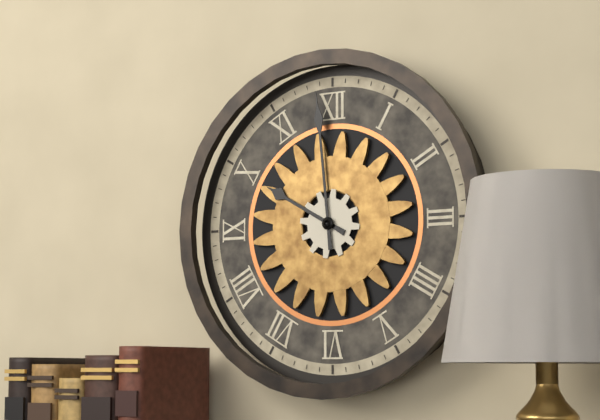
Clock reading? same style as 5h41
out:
9h59
